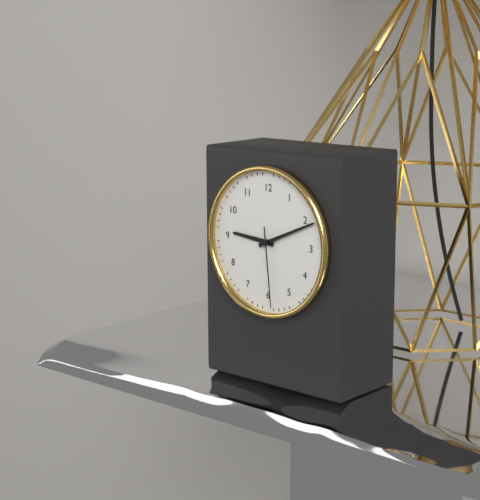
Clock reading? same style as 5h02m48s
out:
9h11m29s
